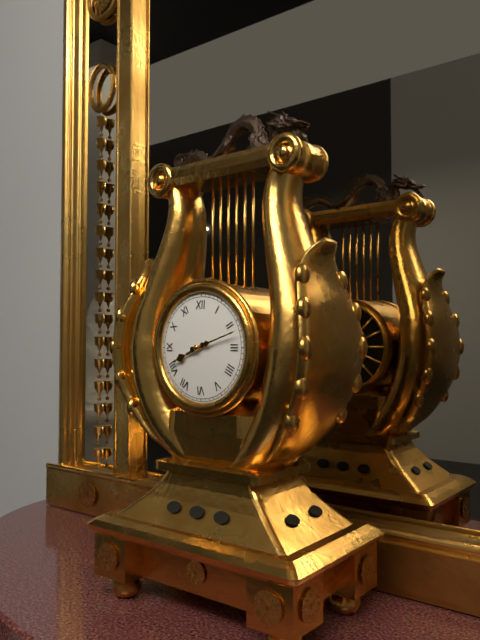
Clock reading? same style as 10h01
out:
8h12
